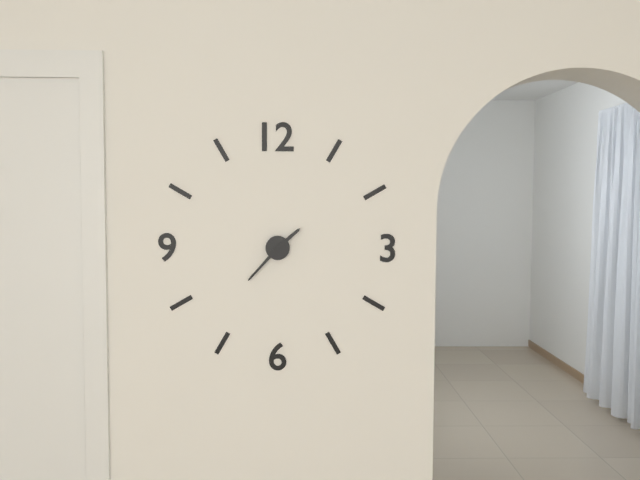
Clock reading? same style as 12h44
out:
1h37
